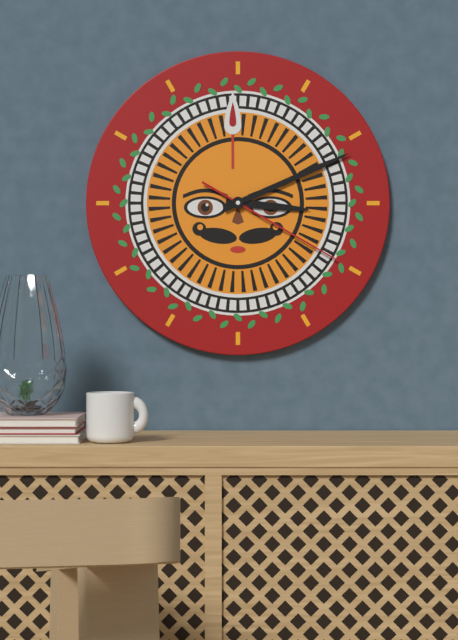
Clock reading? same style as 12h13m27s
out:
3h11m20s
